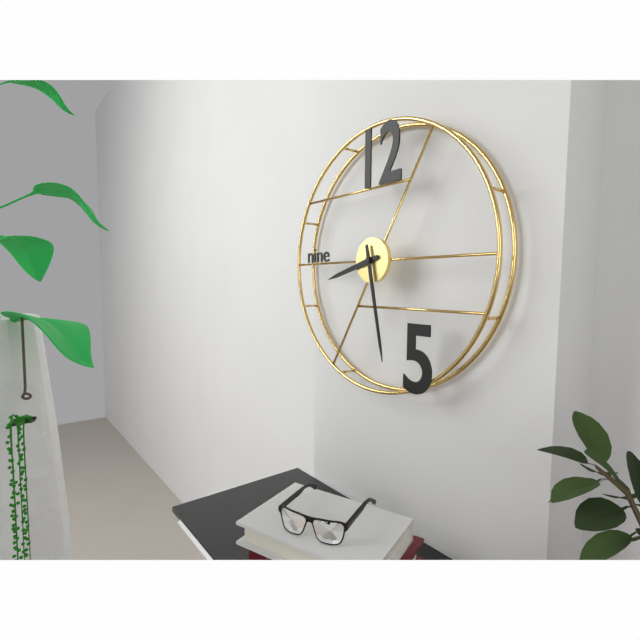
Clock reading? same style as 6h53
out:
8h28
